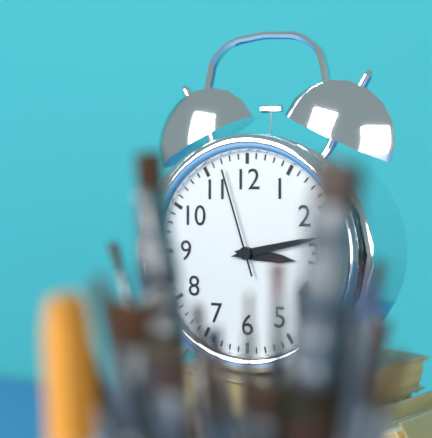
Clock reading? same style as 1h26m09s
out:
3h13m57s
